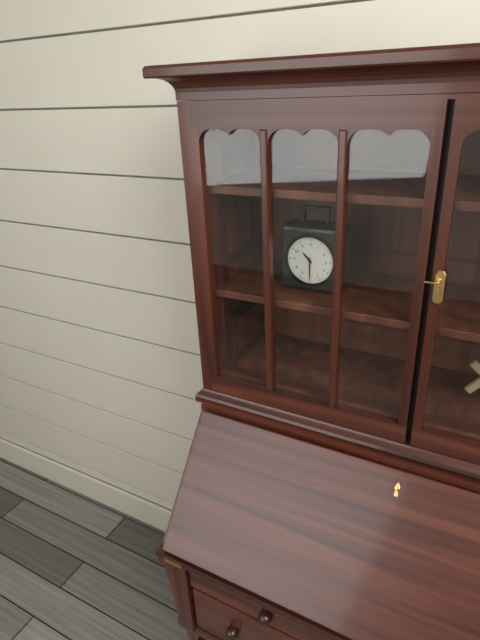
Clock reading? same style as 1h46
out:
10h30
